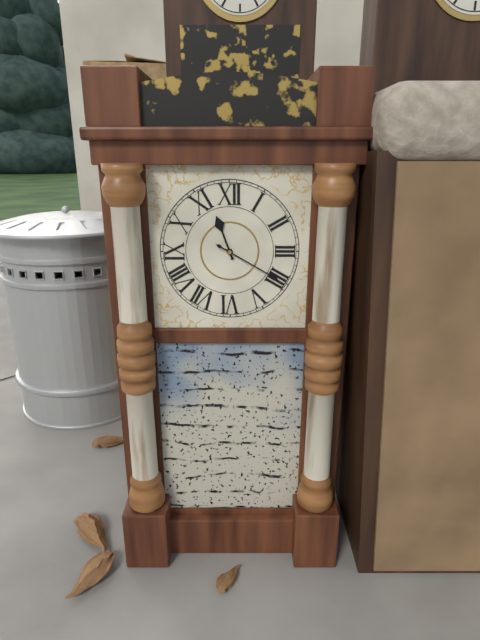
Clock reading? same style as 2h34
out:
11h20
